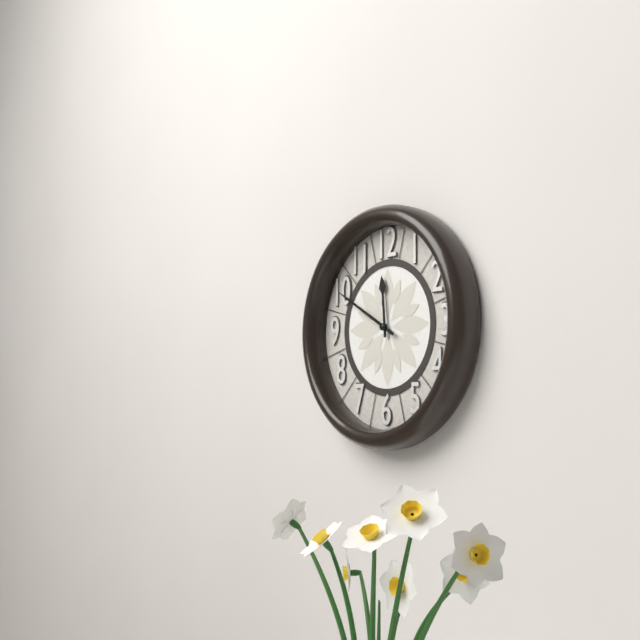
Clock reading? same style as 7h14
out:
11h50
